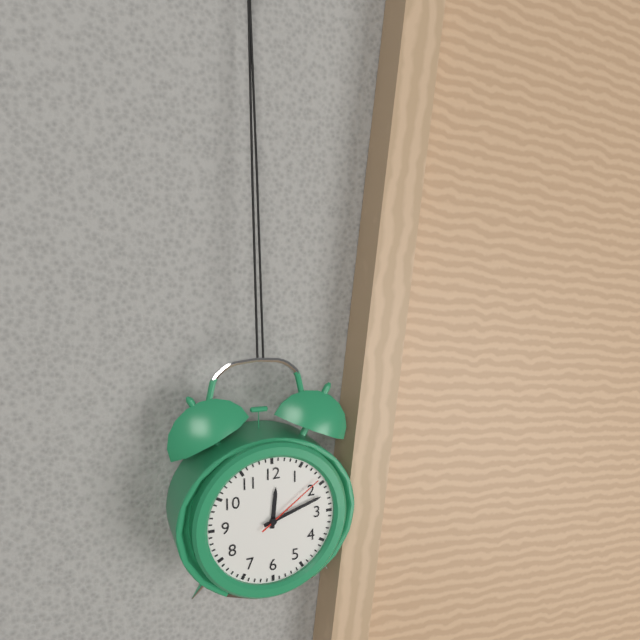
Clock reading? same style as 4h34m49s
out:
12h12m09s
